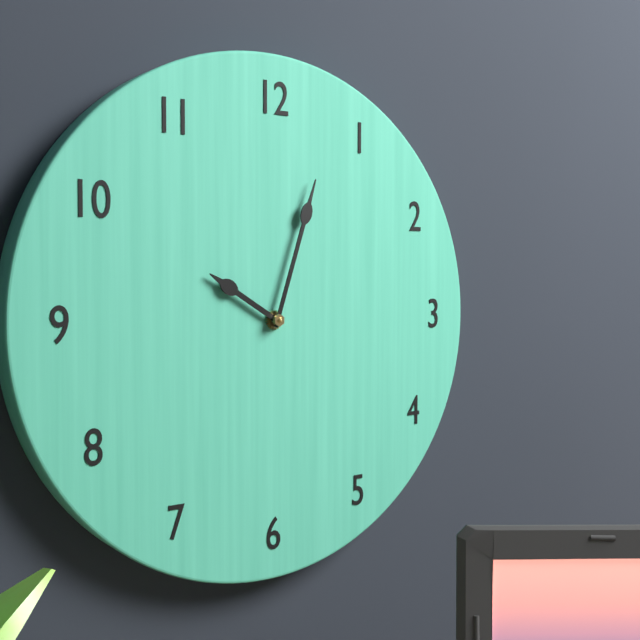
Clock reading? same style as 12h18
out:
10h03
